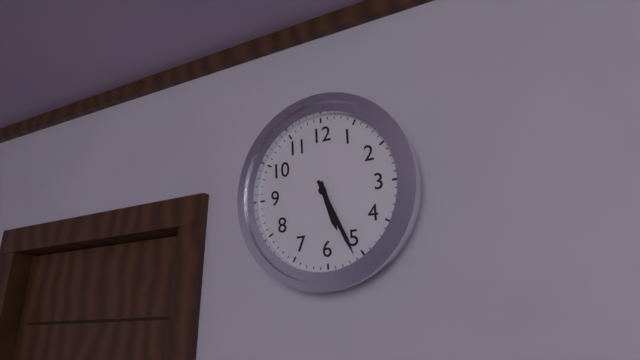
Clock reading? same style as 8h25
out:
5h26
